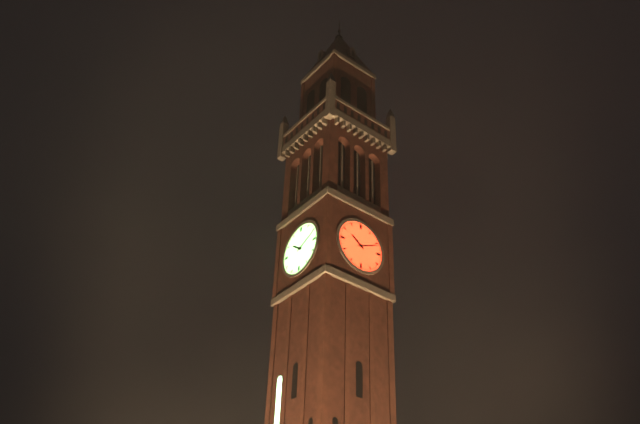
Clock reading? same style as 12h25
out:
10h11
